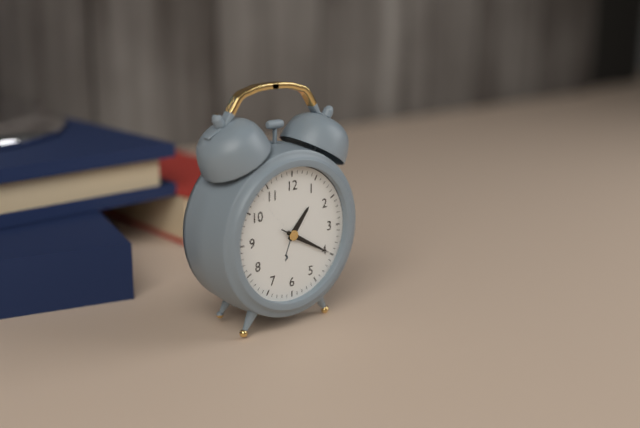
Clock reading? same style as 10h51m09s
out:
1h20m20s
